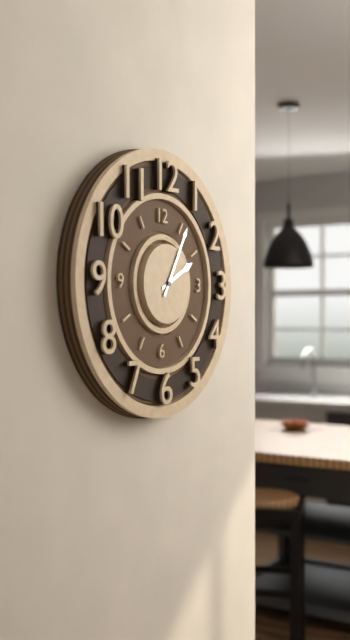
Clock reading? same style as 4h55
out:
2h05
